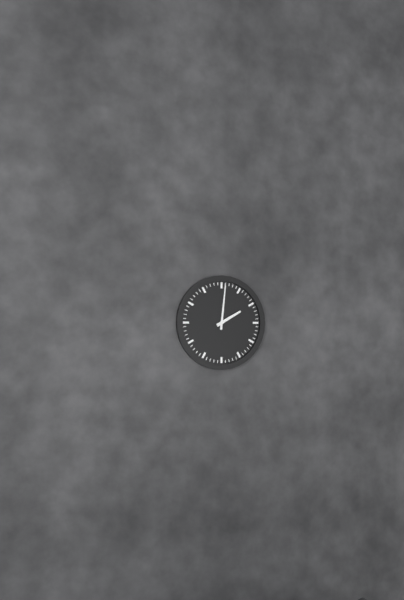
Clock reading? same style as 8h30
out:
2h01
